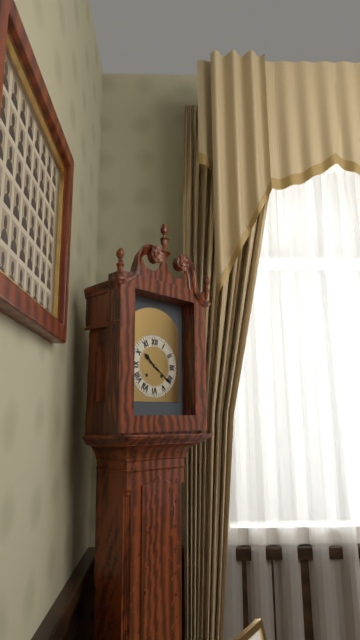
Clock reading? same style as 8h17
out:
10h21
